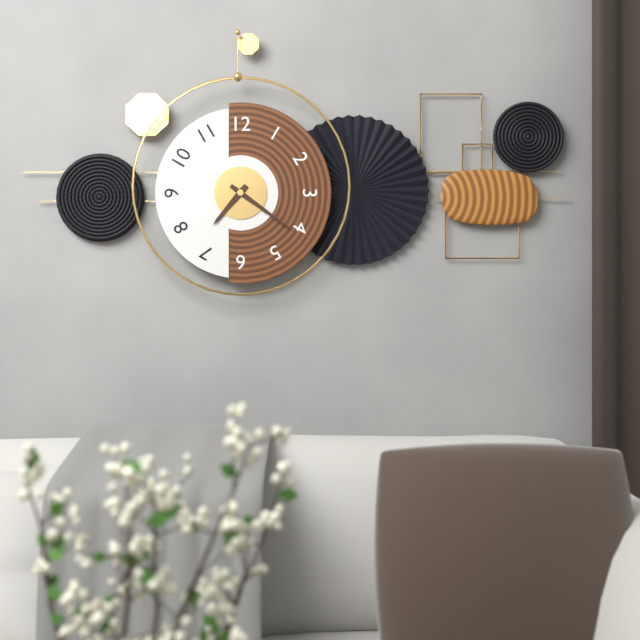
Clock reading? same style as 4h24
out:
7h21
